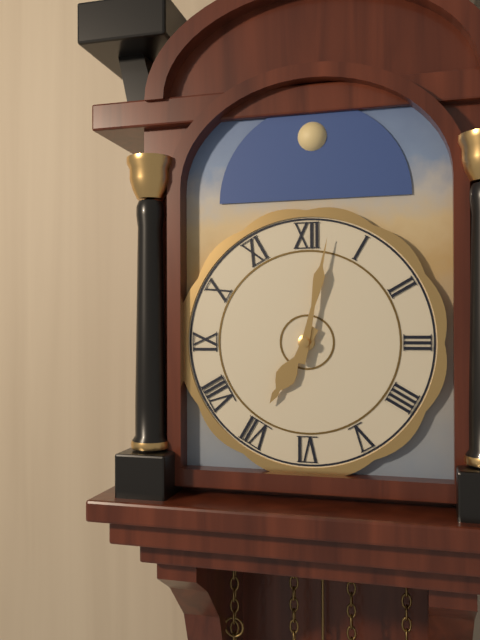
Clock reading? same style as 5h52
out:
7h02
